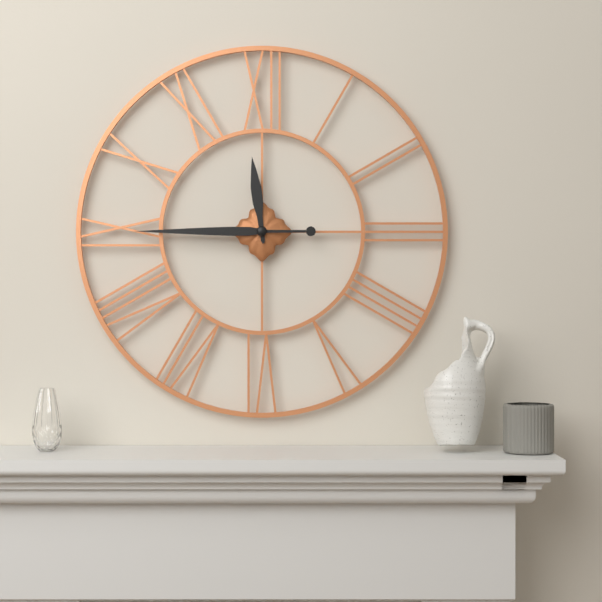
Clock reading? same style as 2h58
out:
11h45
